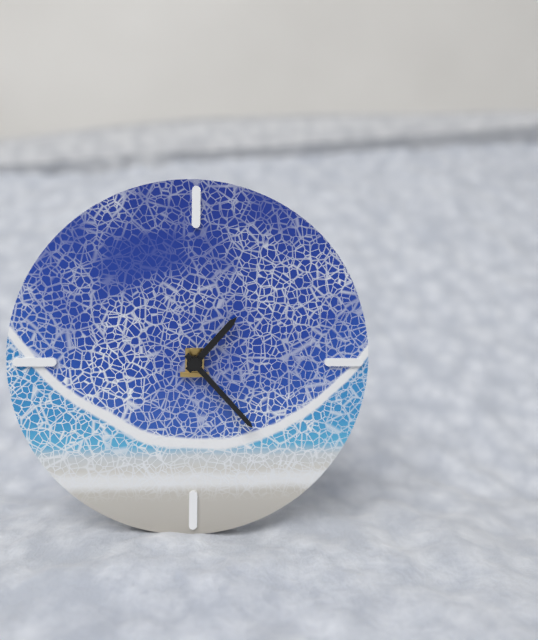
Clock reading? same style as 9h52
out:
1h23
